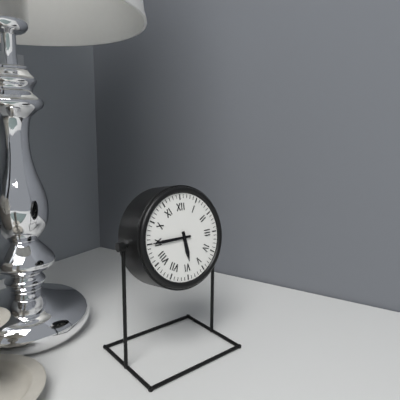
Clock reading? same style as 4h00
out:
5h45
